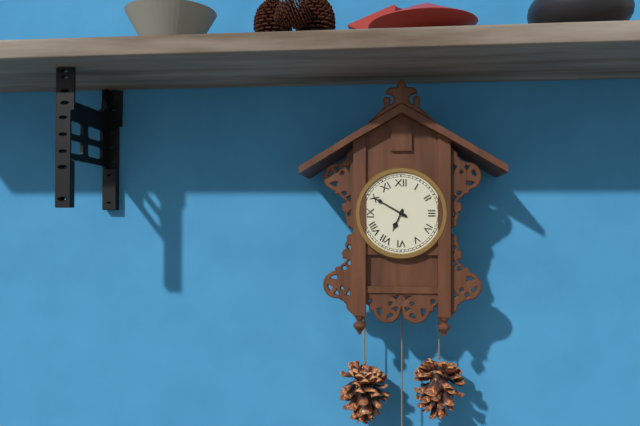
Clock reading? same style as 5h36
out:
6h50
